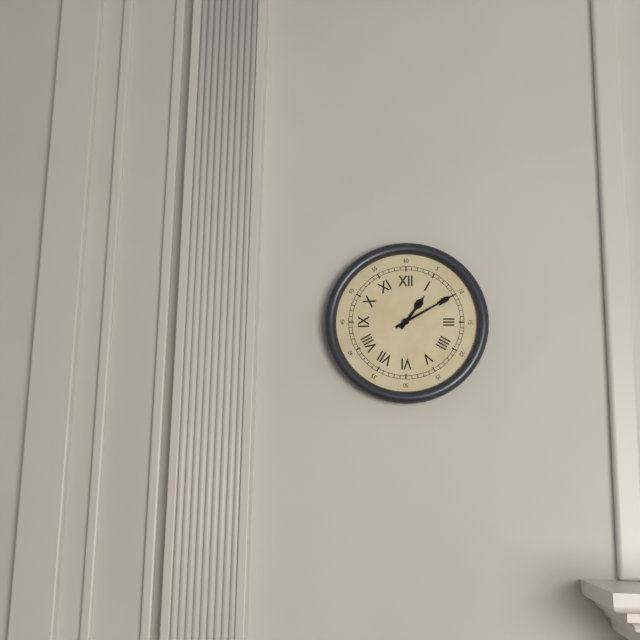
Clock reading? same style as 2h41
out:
1h10
